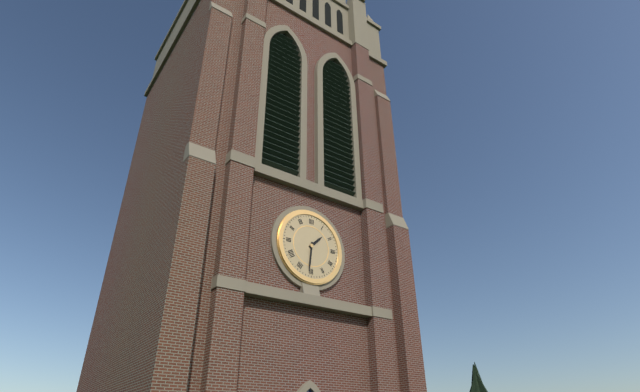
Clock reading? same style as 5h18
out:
1h31
